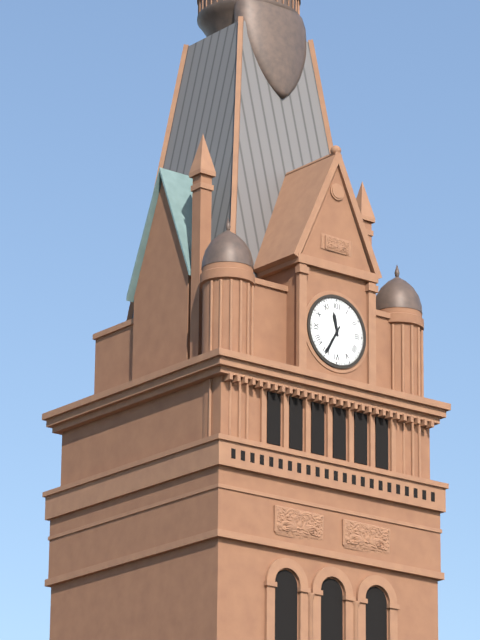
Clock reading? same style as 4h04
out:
11h35
